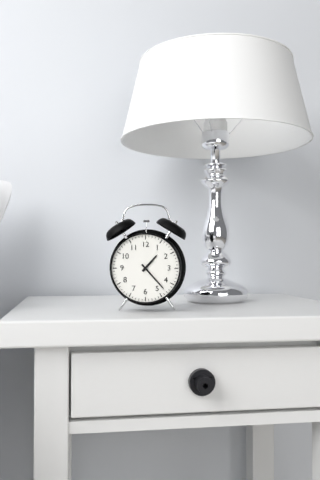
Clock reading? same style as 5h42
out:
1h23
